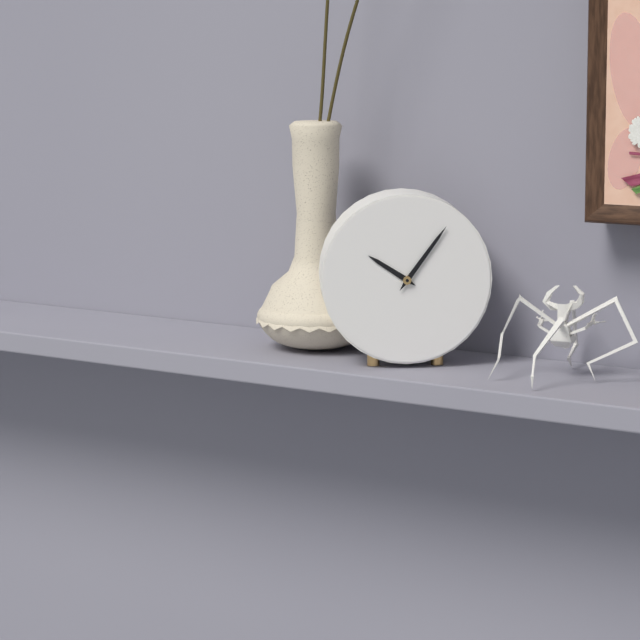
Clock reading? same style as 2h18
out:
10h06
